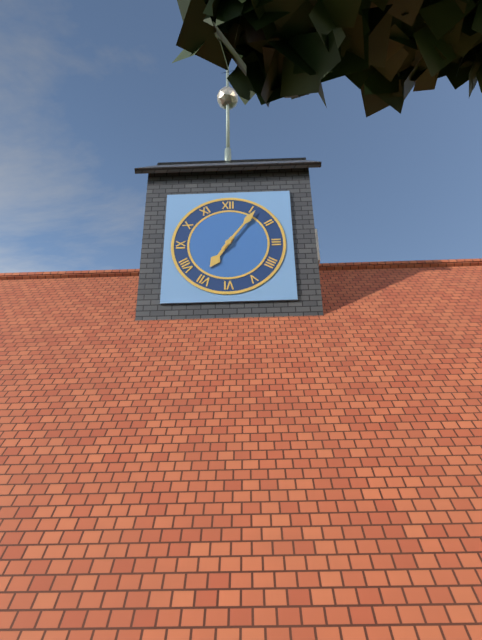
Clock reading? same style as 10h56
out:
7h06
